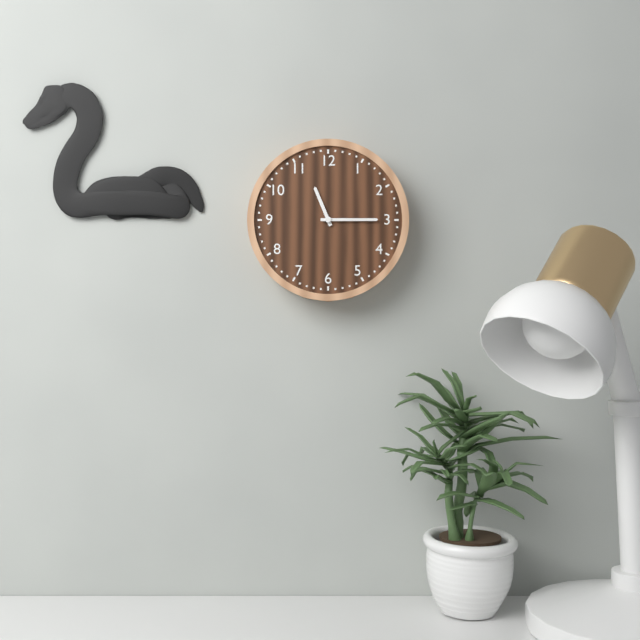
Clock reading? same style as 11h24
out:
11h15
